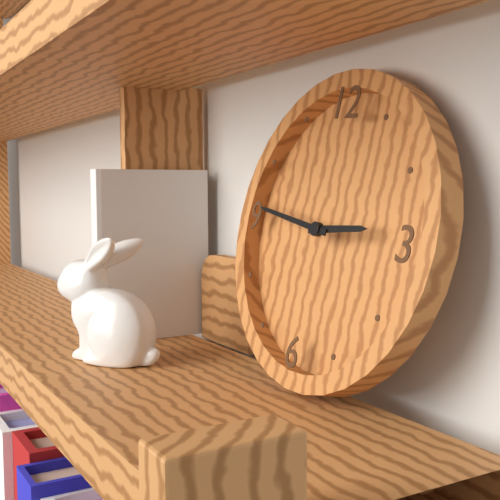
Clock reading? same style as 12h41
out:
2h46
